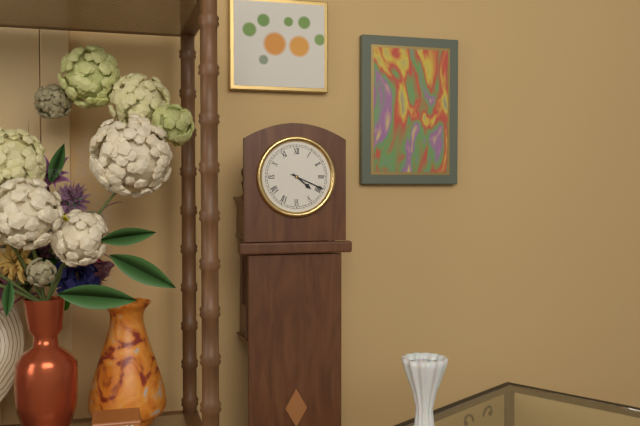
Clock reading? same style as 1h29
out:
4h19
